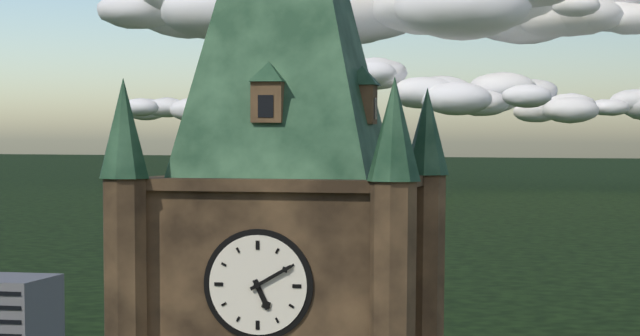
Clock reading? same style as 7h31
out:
5h10
